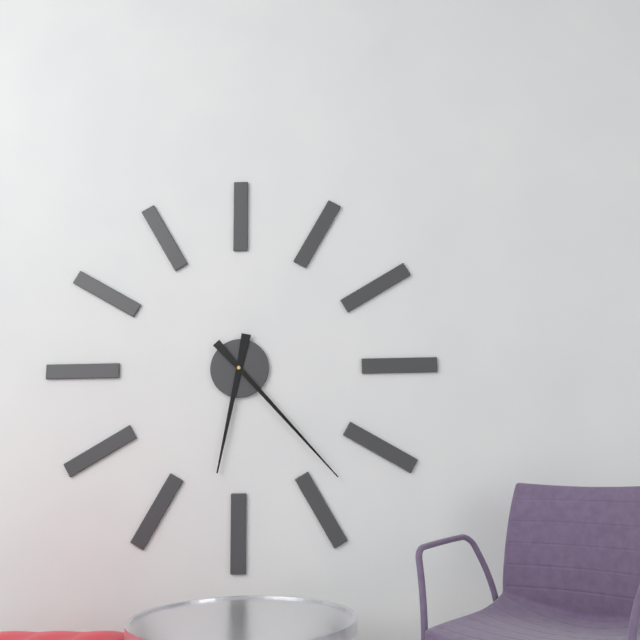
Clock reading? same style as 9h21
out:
6h23
